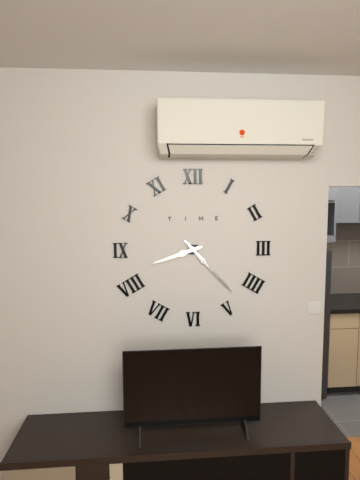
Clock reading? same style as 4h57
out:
8h23
